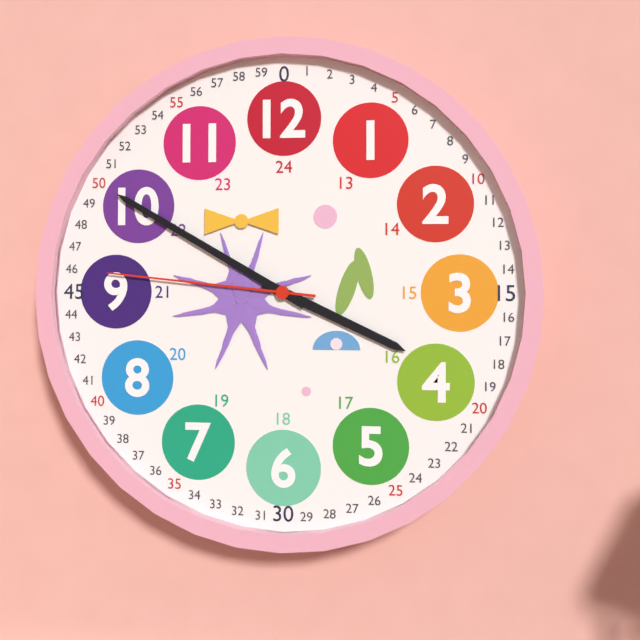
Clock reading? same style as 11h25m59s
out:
3h50m46s
